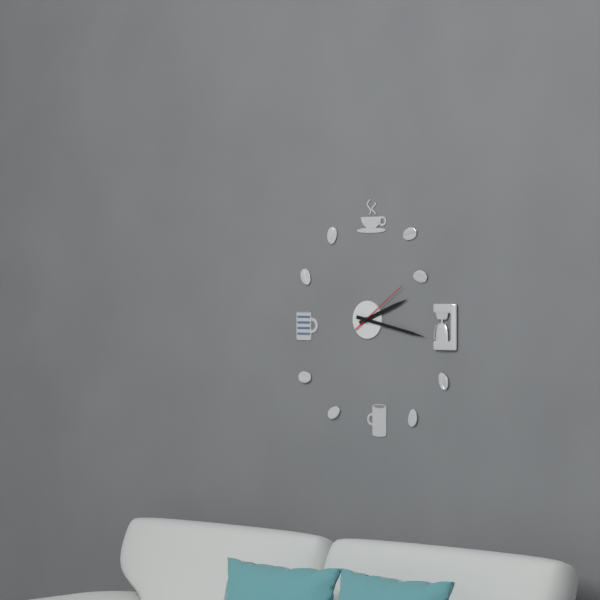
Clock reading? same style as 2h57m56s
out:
2h17m09s
